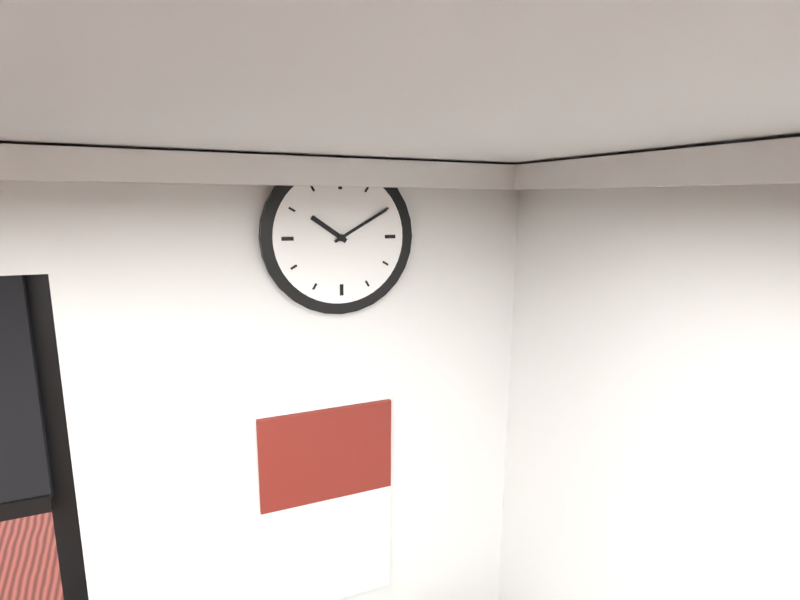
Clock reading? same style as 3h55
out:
10h10
